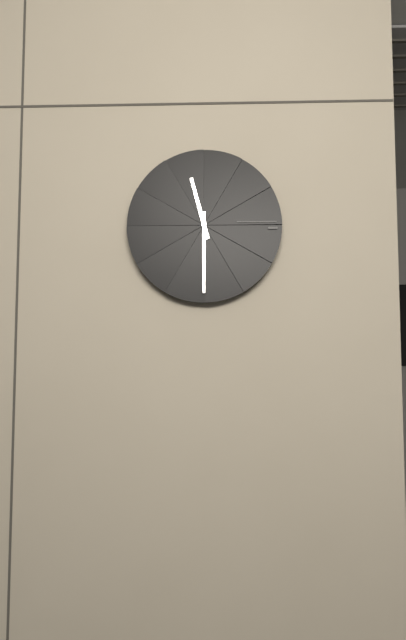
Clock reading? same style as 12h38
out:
11h30
